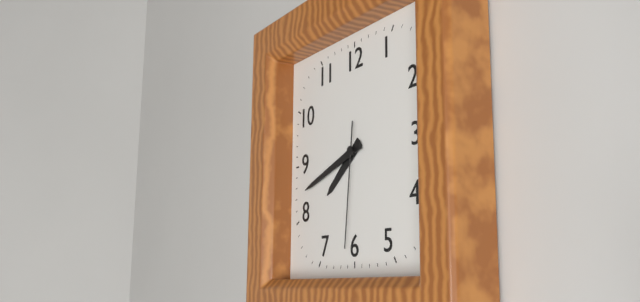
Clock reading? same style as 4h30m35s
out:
7h42m31s
